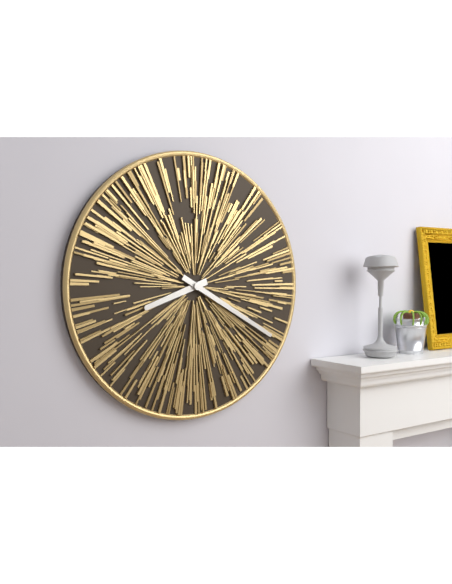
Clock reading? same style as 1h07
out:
8h20
